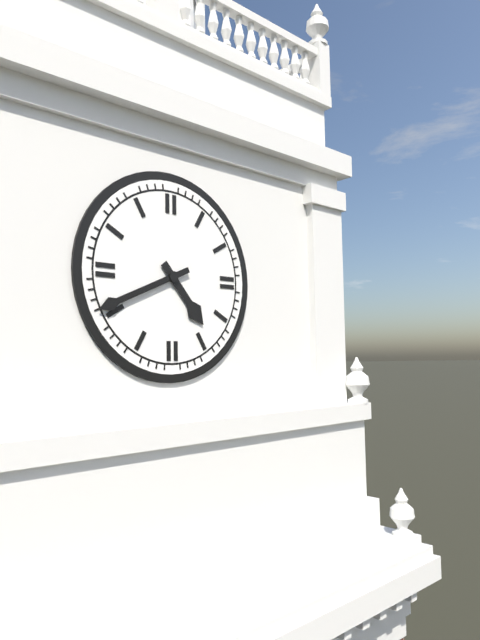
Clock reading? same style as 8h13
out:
4h41
